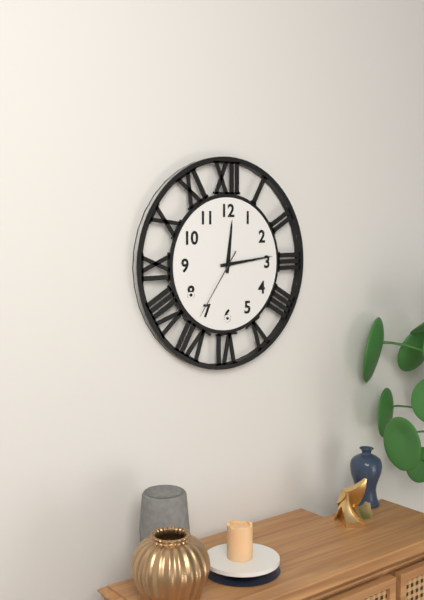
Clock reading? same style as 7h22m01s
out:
12h14m36s
